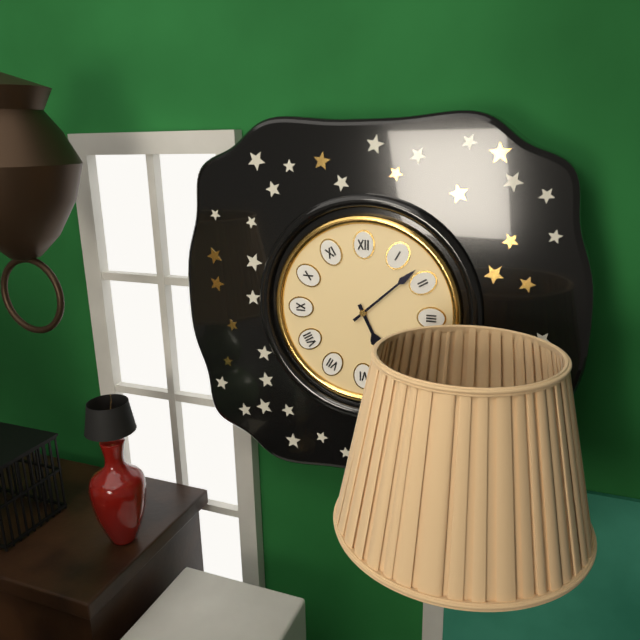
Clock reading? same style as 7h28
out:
5h08
